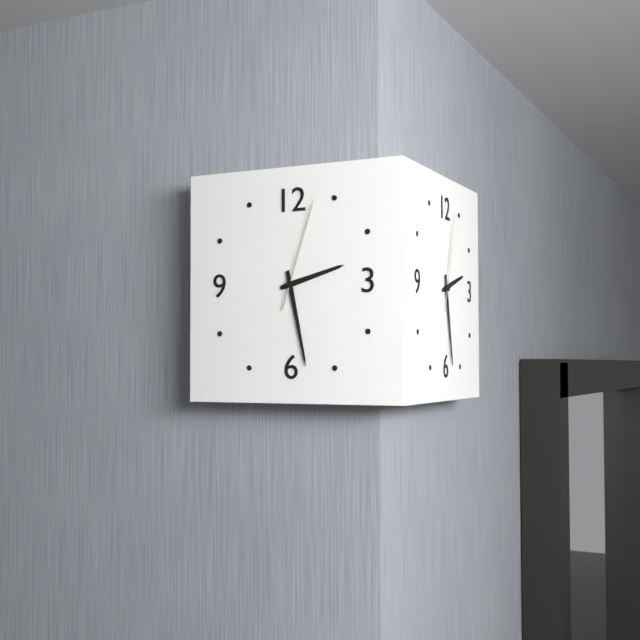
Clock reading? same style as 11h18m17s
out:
2h28m03s
